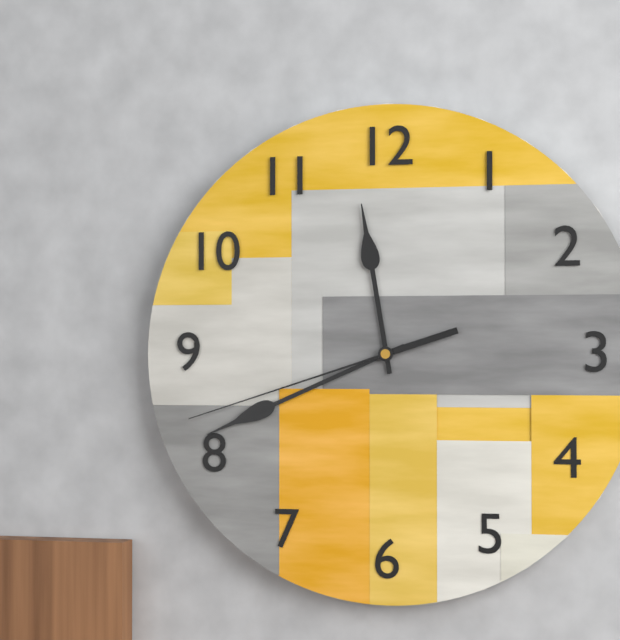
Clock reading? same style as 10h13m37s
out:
11h41m42s
